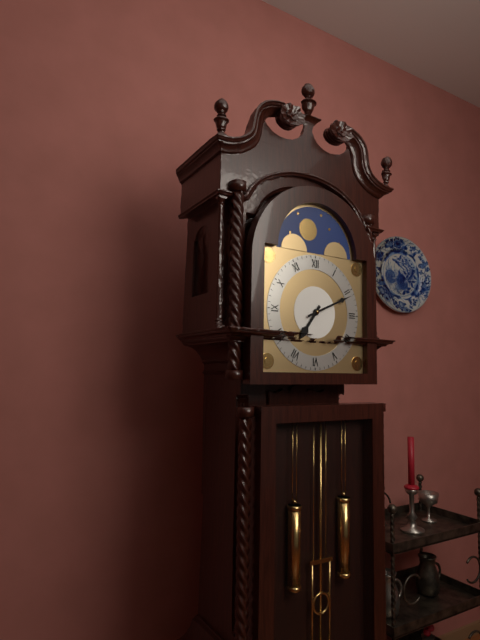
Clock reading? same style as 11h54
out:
7h11
